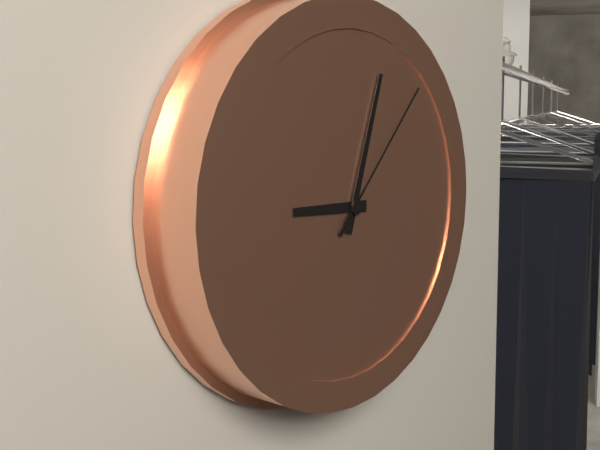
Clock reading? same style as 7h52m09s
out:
9h03m07s
